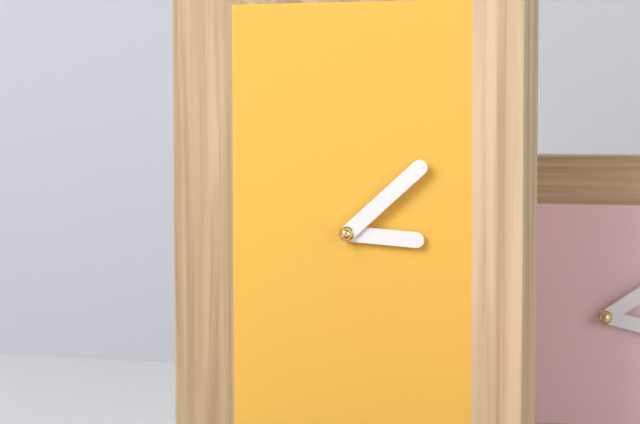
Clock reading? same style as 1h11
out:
3h08
